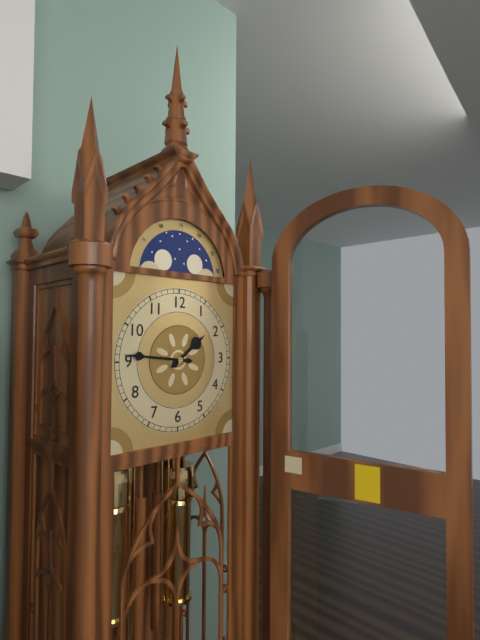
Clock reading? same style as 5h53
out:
1h46
